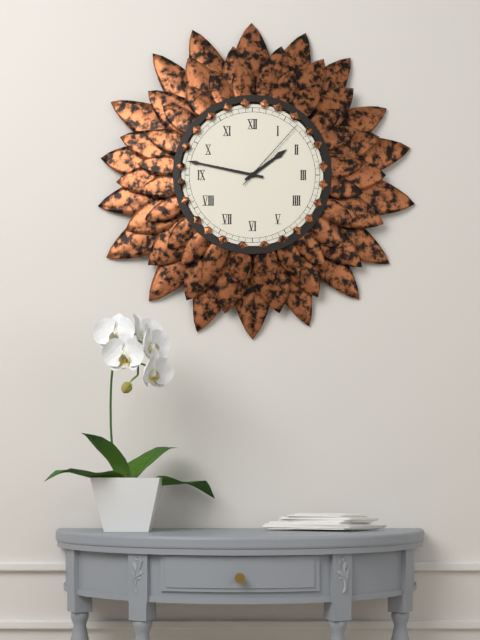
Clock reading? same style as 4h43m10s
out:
1h47m07s
